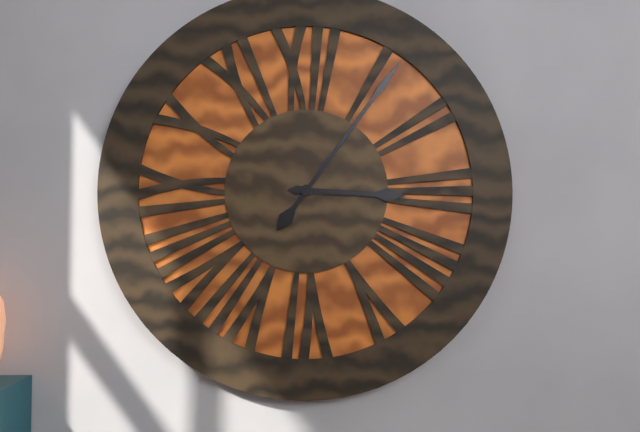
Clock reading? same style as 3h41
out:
3h06
